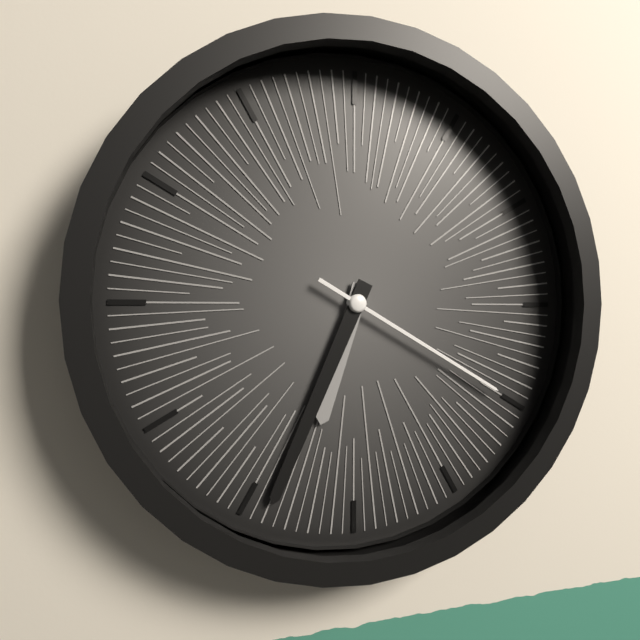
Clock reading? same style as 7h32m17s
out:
6h34m20s
